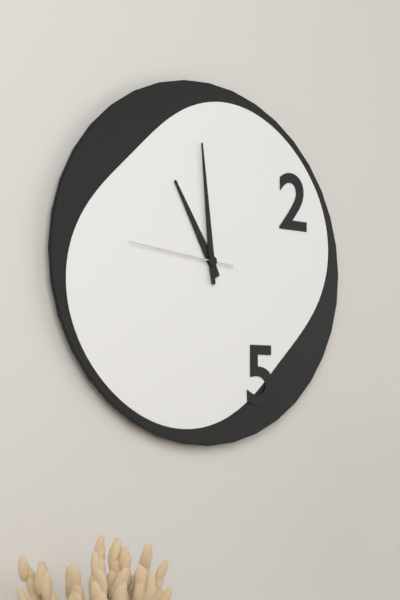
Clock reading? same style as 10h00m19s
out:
10h59m46s
